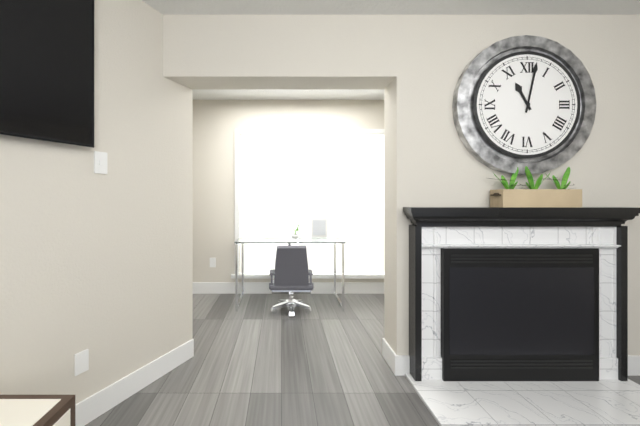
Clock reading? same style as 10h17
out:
11h02
